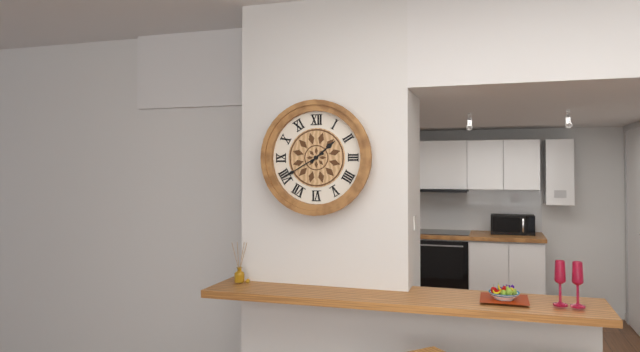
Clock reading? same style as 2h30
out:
1h40
